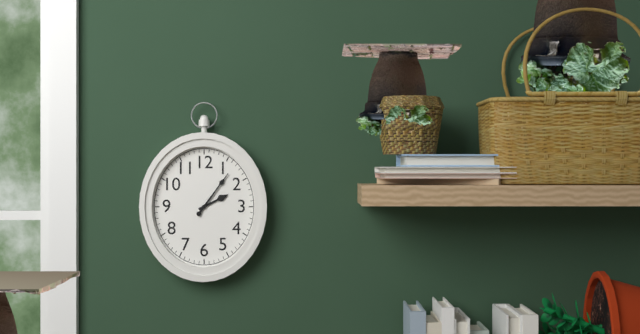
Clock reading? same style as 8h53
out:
2h06
